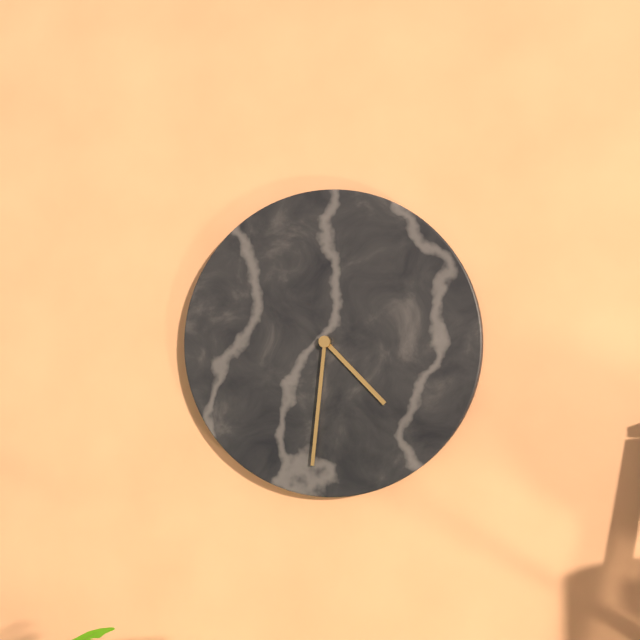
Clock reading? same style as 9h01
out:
4h31
